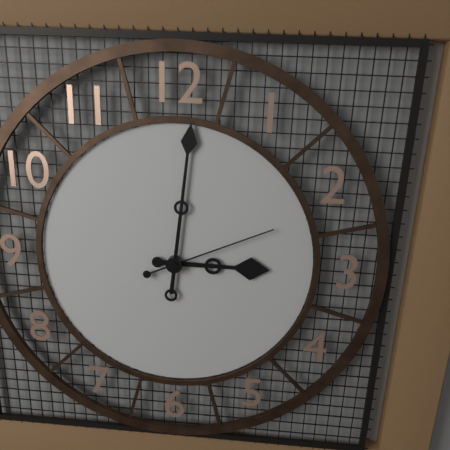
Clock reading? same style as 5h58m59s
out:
3h01m11s
